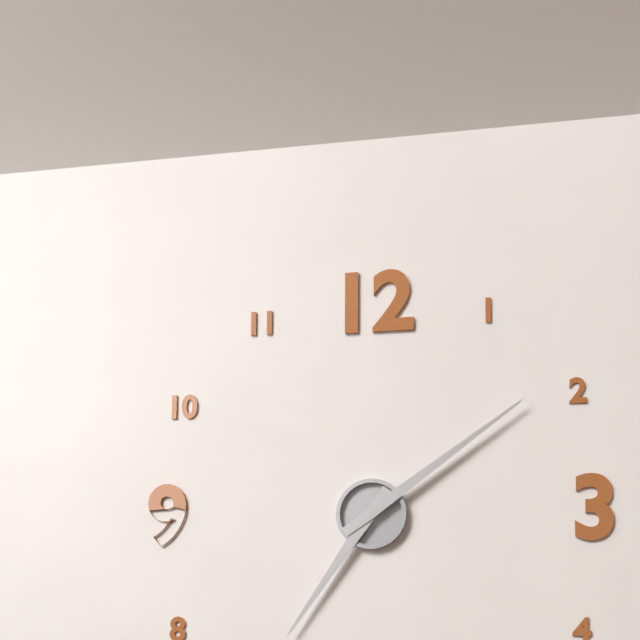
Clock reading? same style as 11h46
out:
7h09
